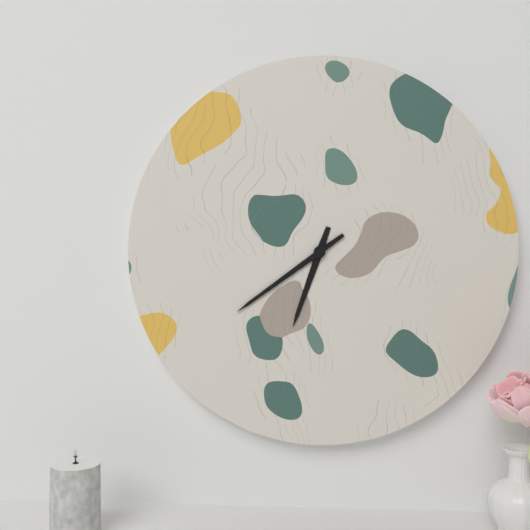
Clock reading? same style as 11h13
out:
6h39
